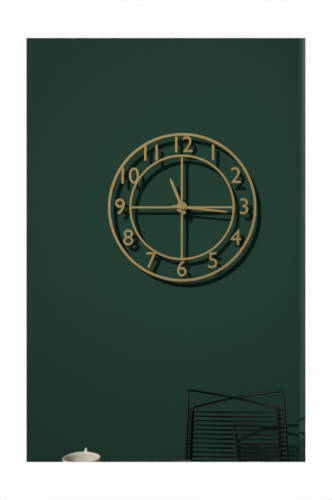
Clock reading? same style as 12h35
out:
11h16
